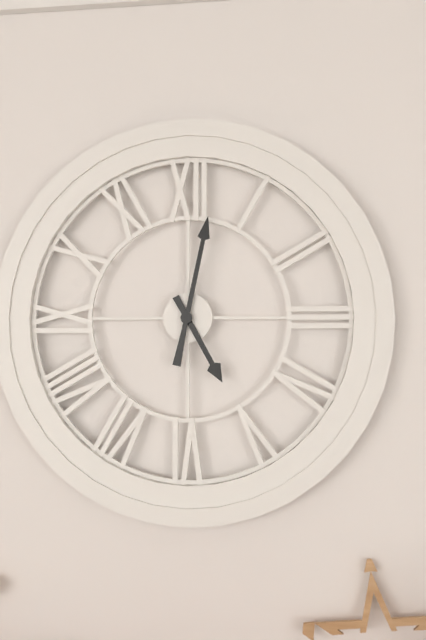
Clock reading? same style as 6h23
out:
5h02
